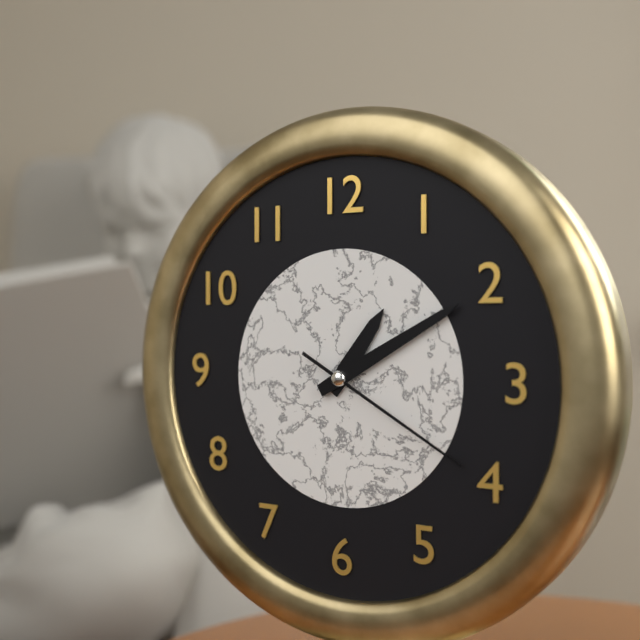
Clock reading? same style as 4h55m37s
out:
1h10m20s
